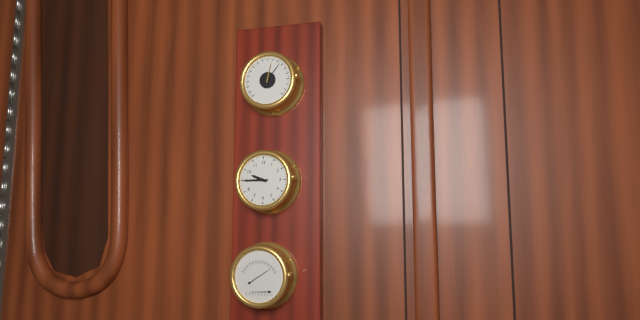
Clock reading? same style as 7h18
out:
9h45
